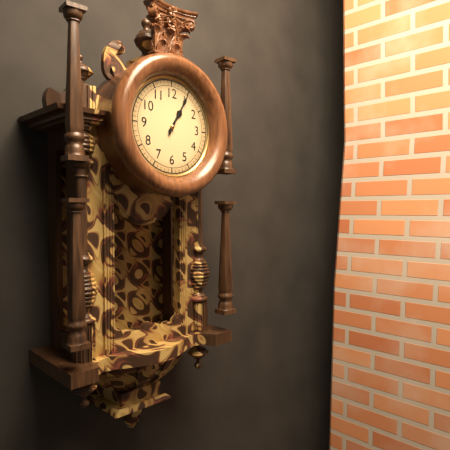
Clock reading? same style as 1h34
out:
1h05
